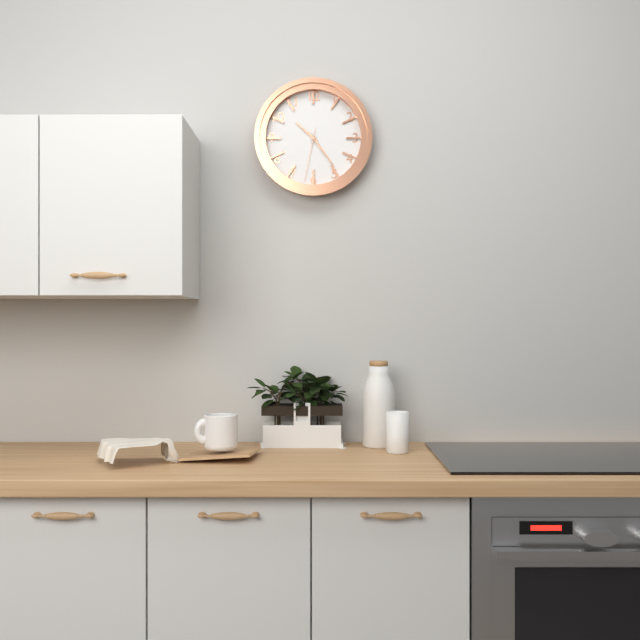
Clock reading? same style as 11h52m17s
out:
10h24m32s
